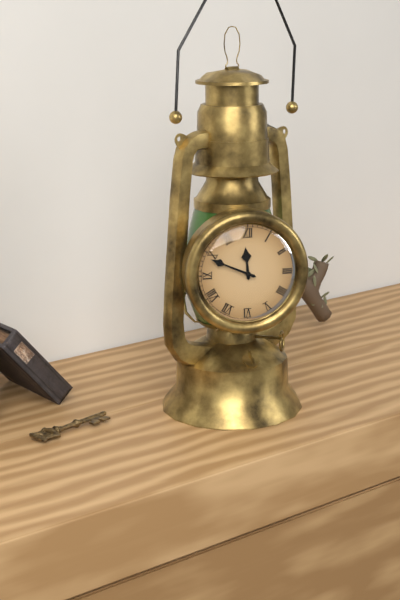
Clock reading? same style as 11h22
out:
11h49
